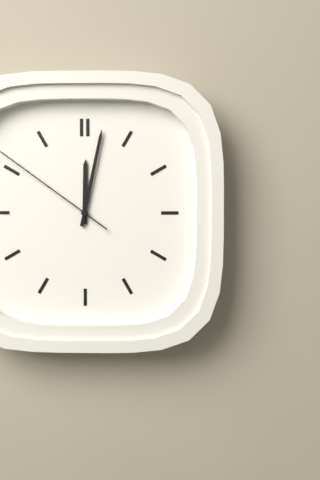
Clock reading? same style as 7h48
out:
12h02
